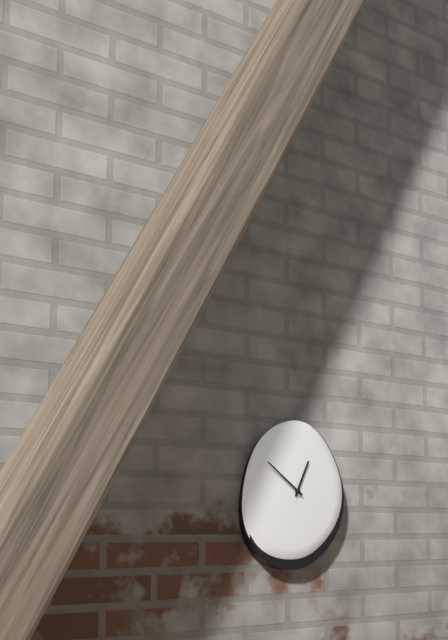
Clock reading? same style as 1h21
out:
12h51
